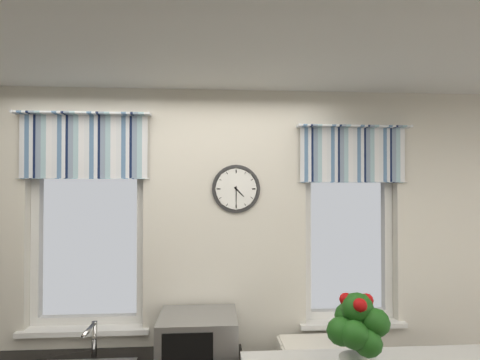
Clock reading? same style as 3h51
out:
4h30
